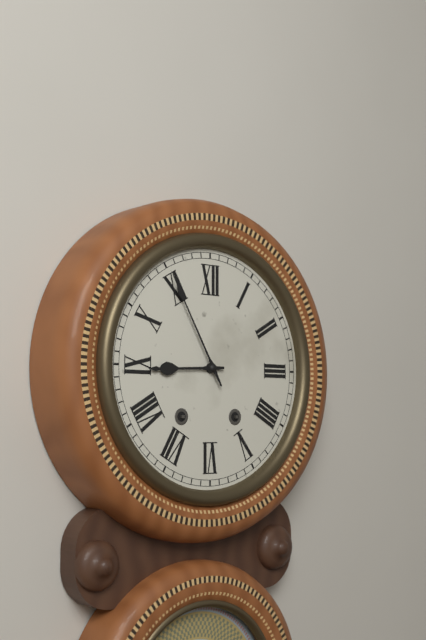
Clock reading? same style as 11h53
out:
8h55
